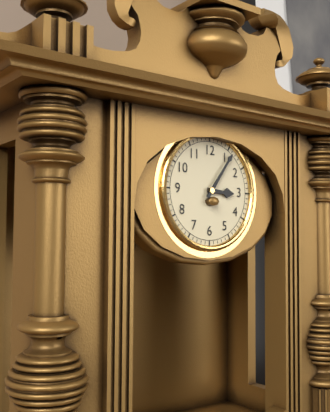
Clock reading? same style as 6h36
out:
3h06
